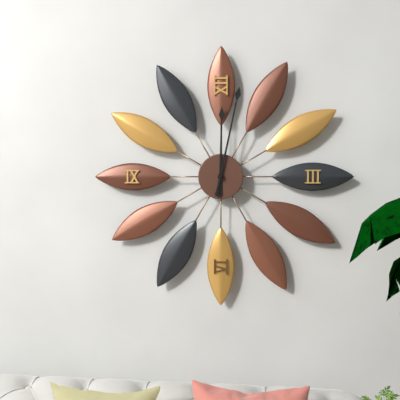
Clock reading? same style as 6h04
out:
12h02
